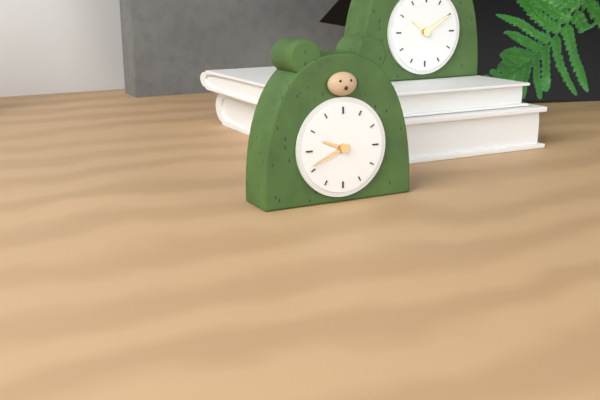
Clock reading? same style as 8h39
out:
9h41
